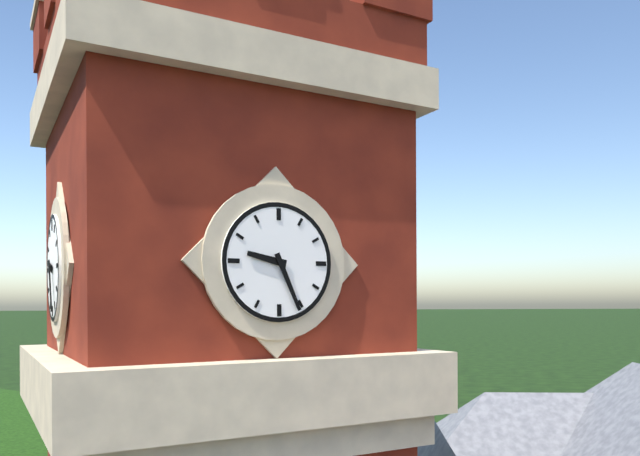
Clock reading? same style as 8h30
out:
9h26
